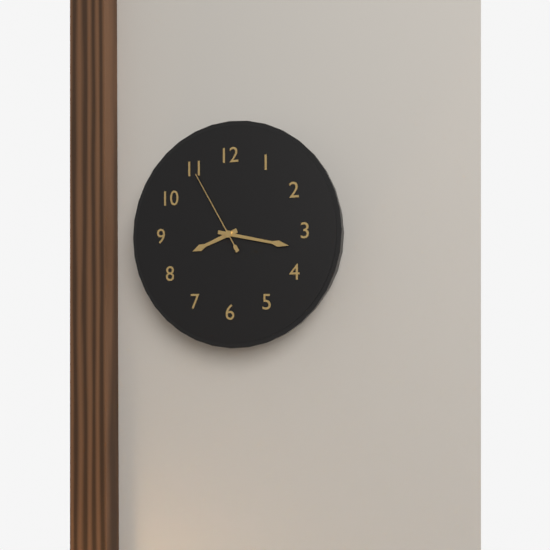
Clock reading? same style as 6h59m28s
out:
8h17m55s
